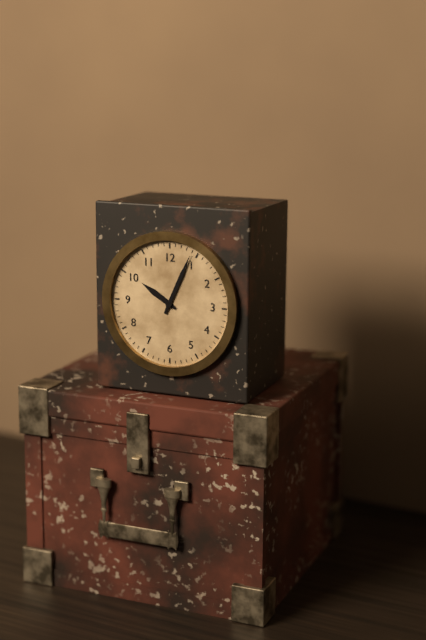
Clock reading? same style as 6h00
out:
10h04
